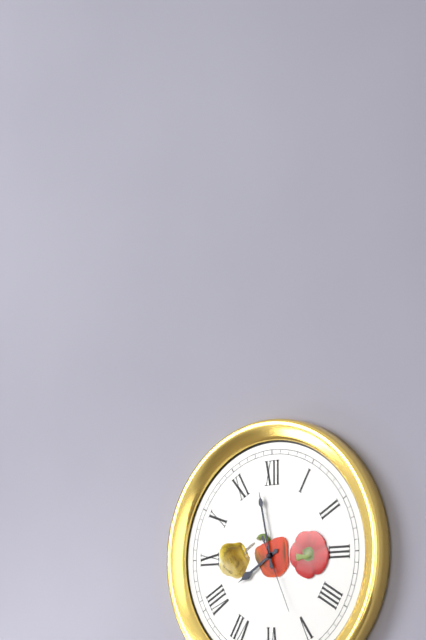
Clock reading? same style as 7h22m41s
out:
7h58m26s
